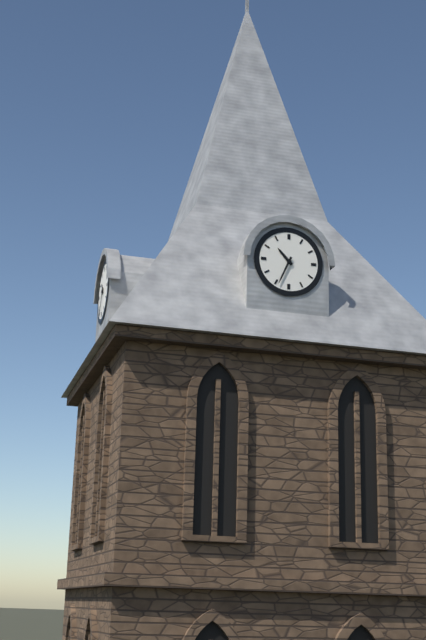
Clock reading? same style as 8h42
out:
10h34
